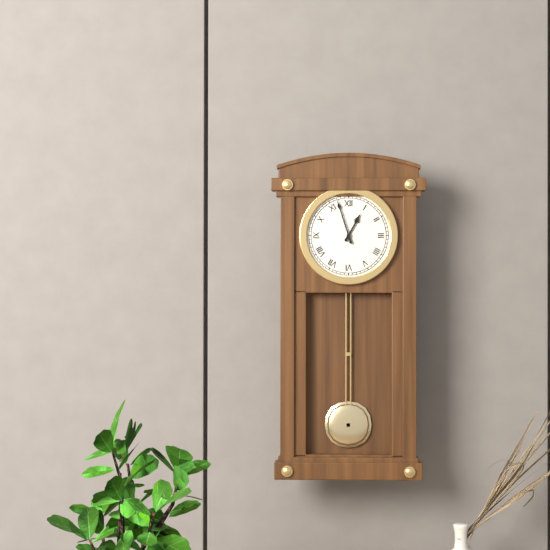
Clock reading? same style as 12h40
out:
12h57
